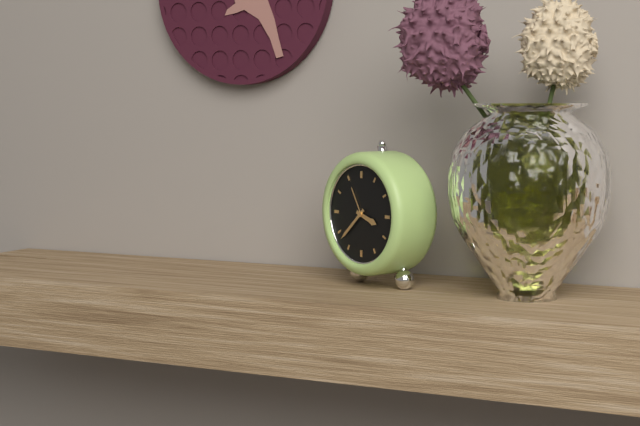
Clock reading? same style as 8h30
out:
3h38
